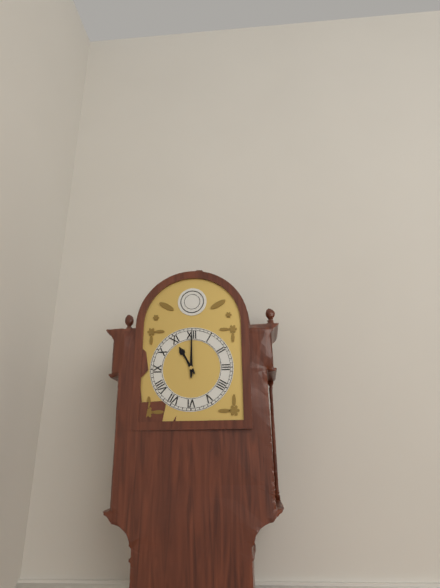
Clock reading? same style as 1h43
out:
11h00
